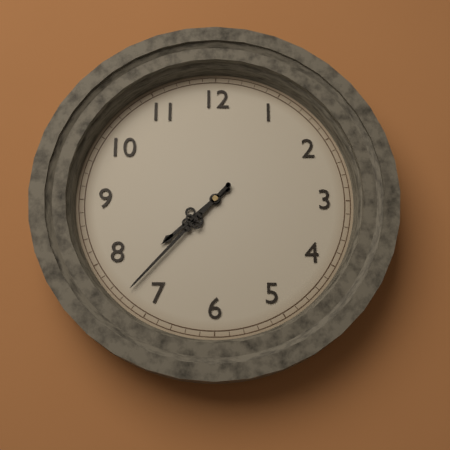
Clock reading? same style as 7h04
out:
7h37
